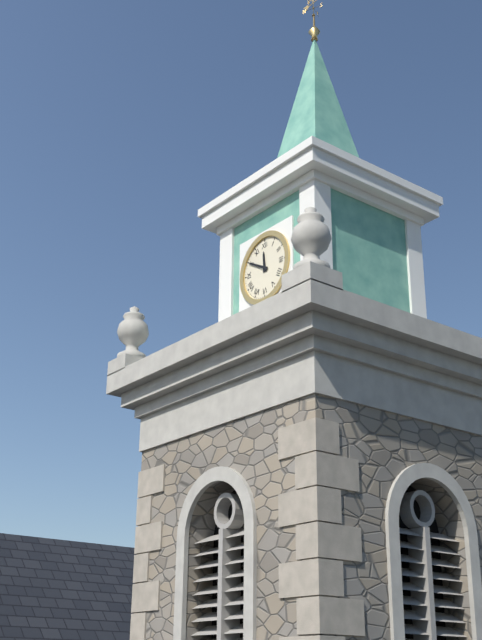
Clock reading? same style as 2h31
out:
11h50
